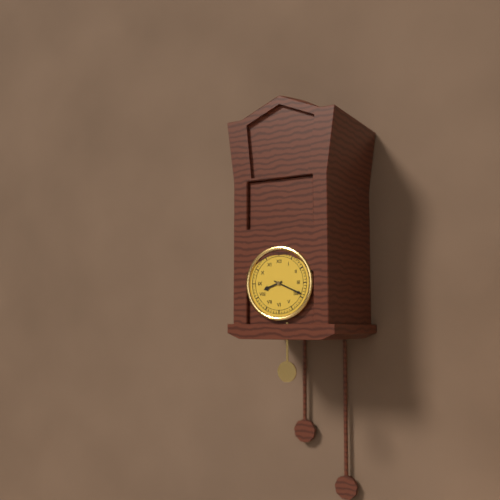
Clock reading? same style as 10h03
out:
8h19
